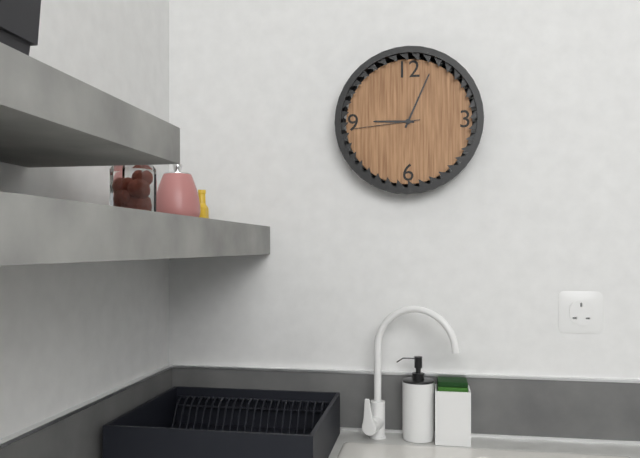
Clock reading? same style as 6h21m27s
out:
9h04m44s
